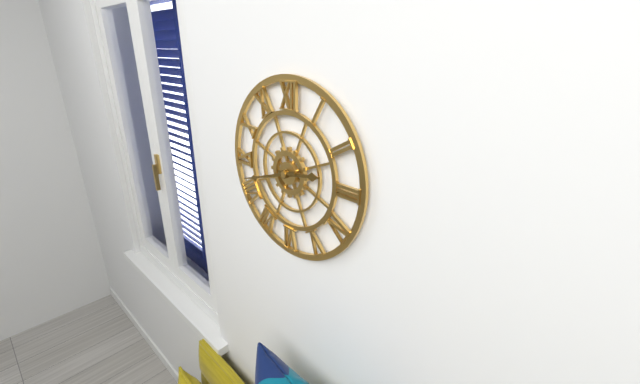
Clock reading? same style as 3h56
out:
2h42
